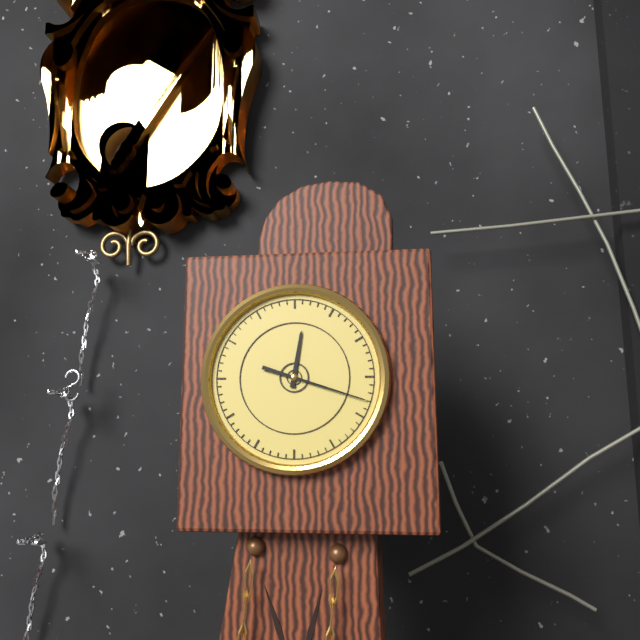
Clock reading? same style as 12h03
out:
12h18
